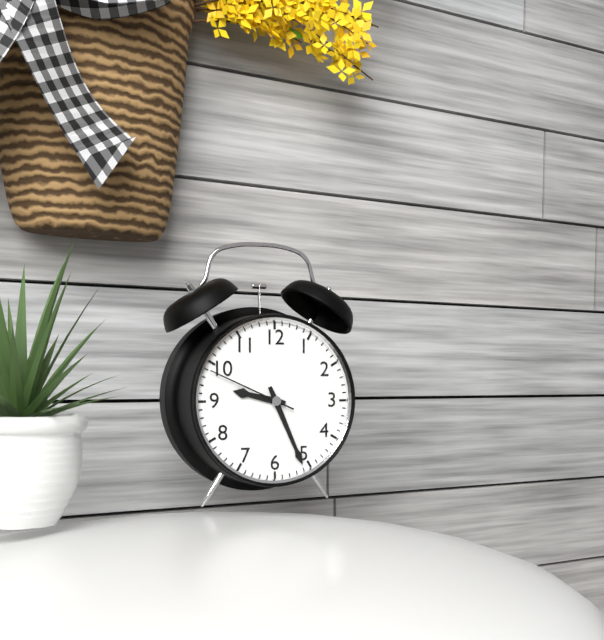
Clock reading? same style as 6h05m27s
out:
9h26m49s
